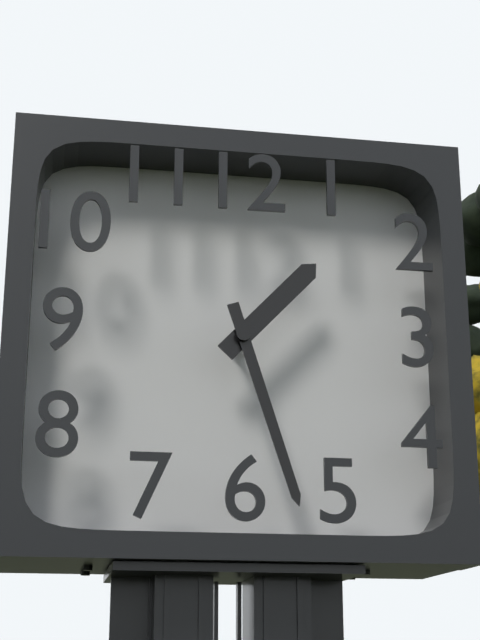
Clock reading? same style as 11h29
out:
1h27
